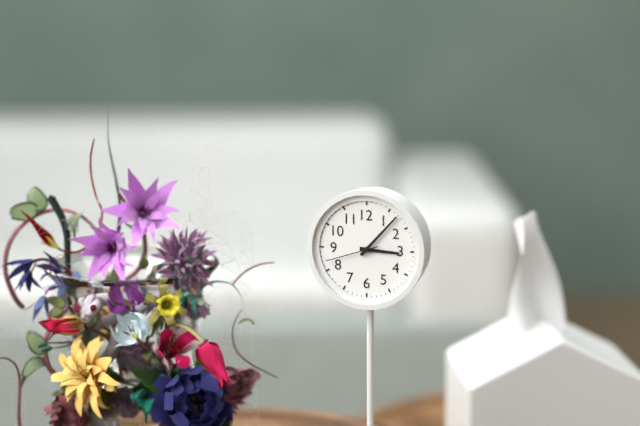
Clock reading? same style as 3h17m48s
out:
3h07m42s
